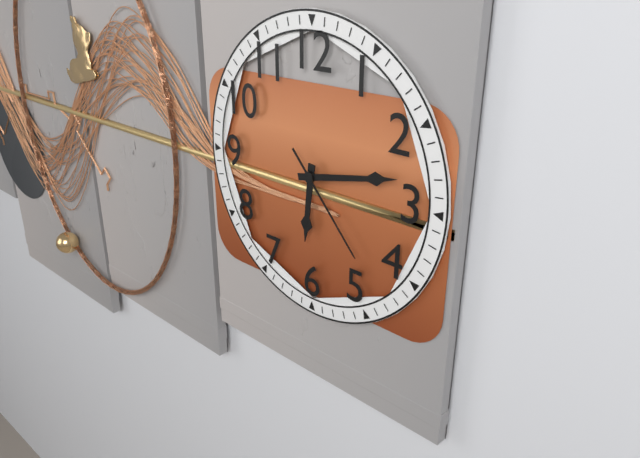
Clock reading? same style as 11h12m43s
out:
6h13m23s
